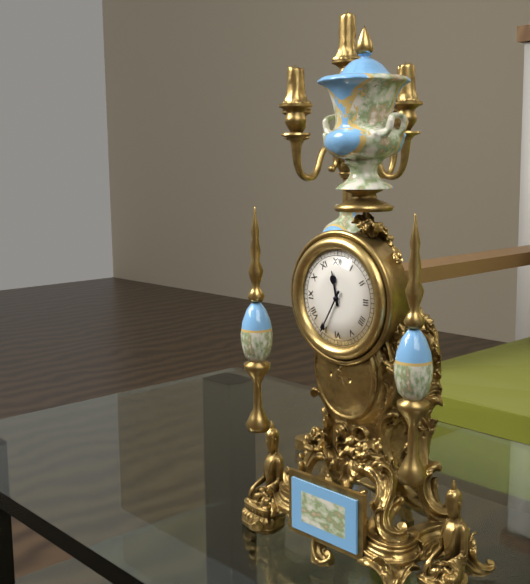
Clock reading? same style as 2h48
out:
11h35
